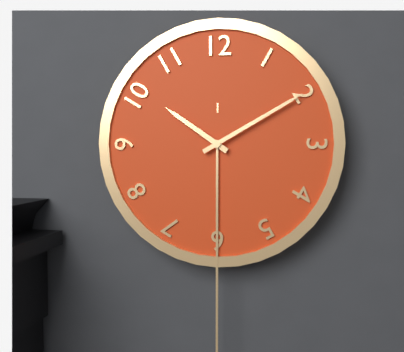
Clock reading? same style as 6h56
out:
10h10
